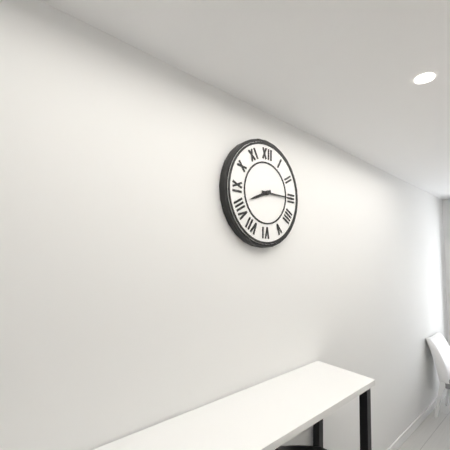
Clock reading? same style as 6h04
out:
8h15
